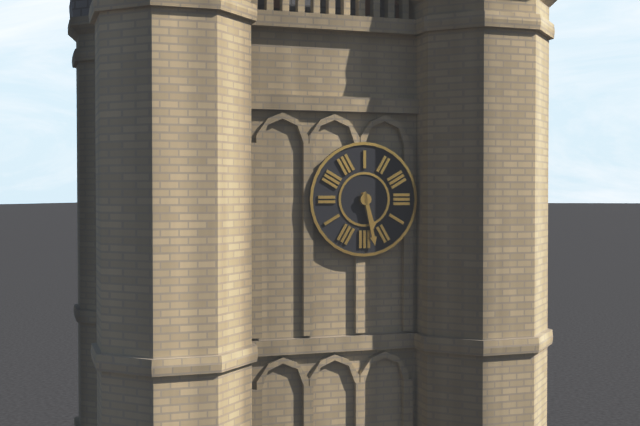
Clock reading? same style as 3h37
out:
5h28
